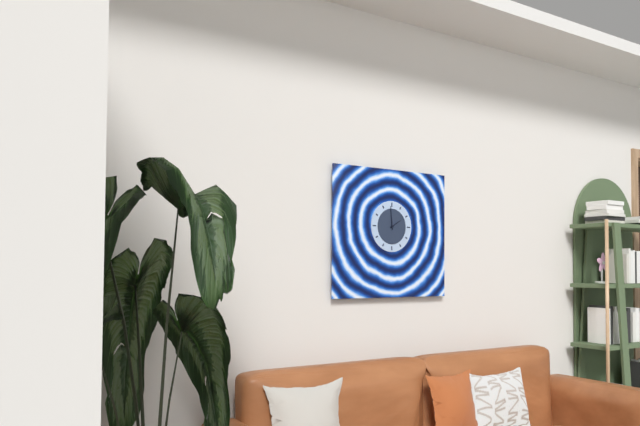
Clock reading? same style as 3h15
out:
1h59
